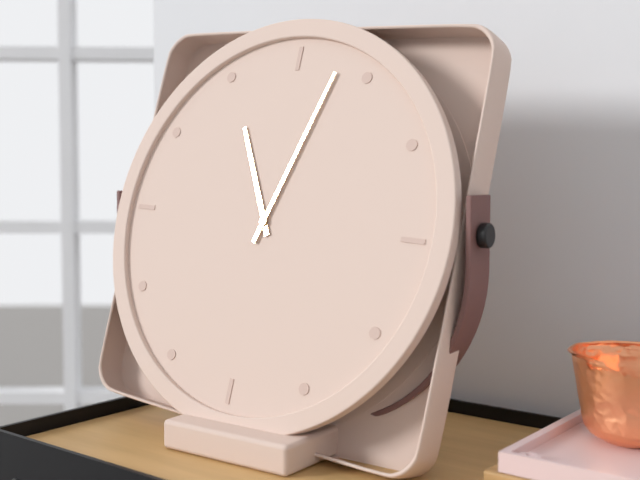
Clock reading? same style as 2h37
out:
11h03
